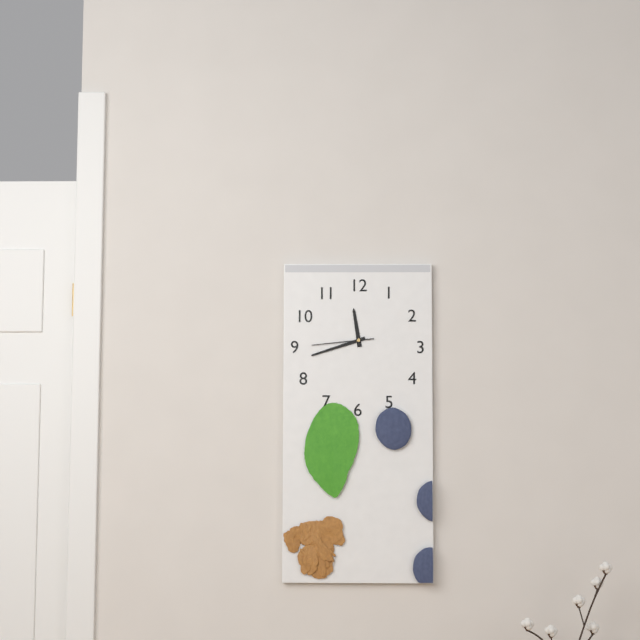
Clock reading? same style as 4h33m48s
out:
11h42m44s
